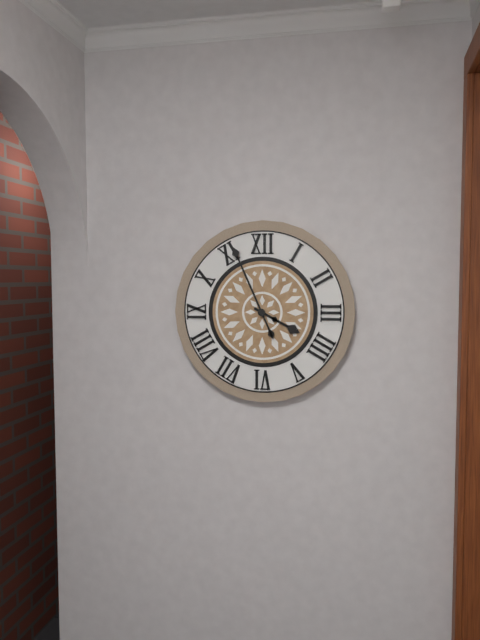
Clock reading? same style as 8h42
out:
3h56
